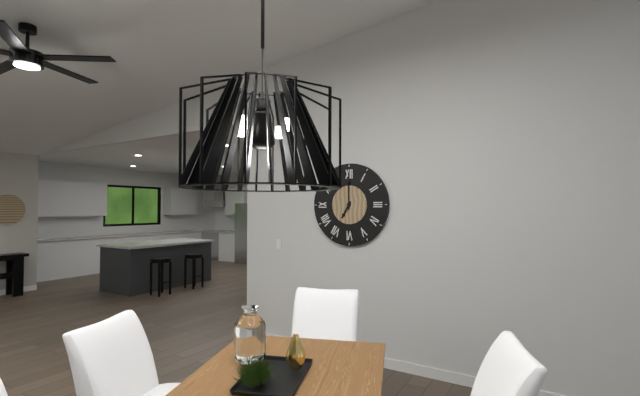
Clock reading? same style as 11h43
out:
7h00
